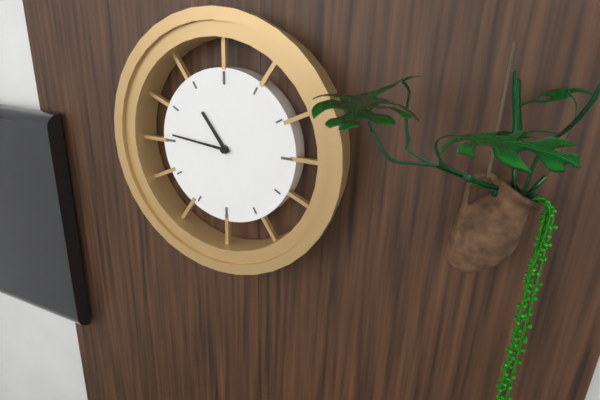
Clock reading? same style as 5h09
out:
10h46
